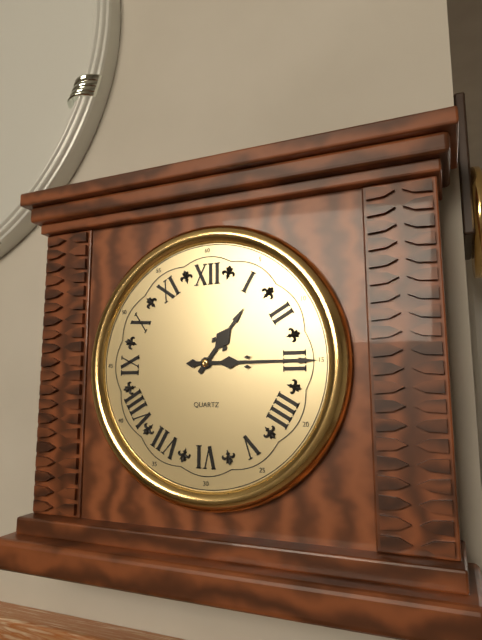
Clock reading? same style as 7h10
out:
1h15
